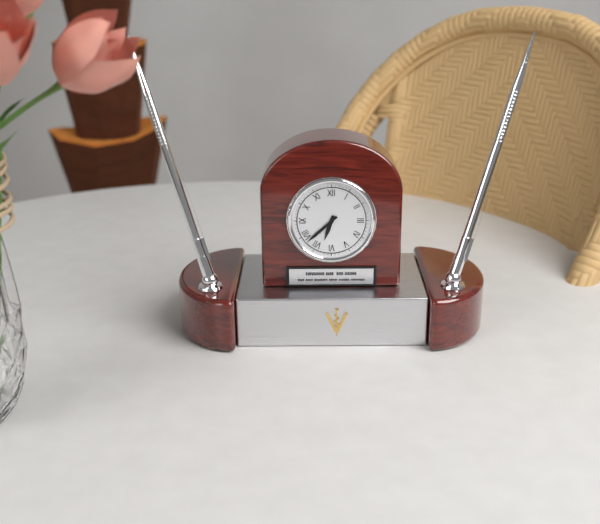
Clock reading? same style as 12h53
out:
6h38
